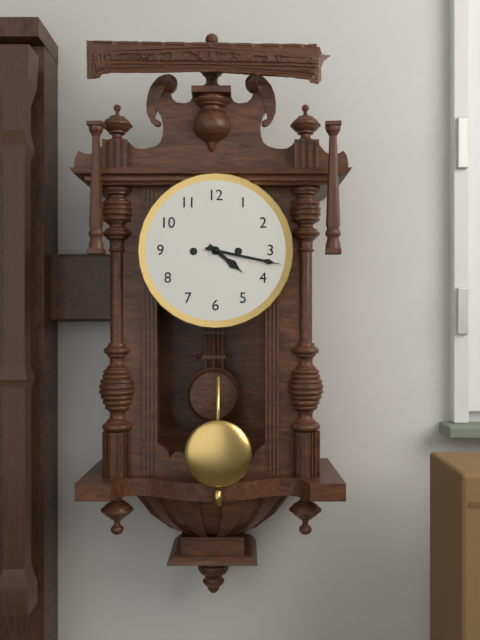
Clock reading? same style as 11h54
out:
4h17
